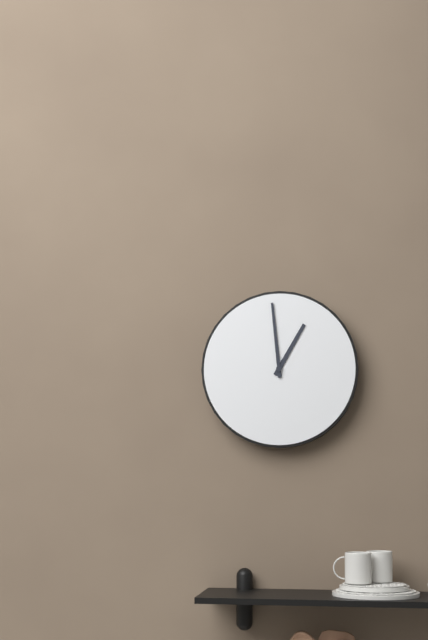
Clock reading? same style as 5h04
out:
12h59
